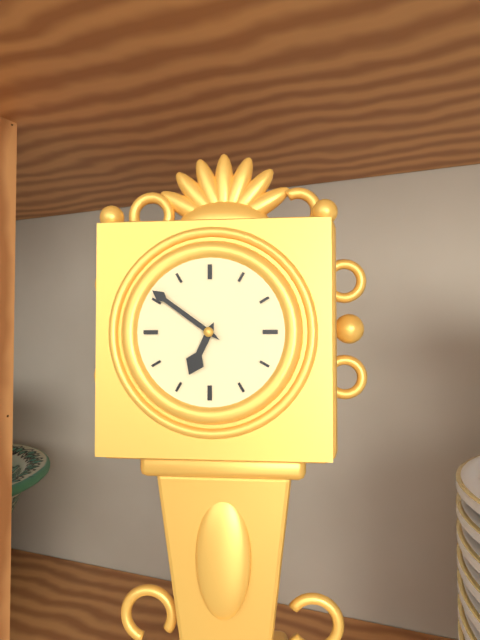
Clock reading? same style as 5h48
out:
6h51
